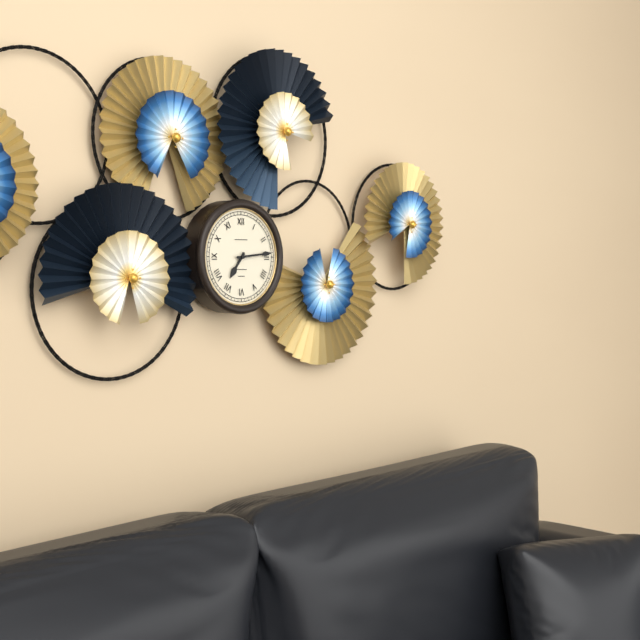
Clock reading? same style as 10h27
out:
7h14
